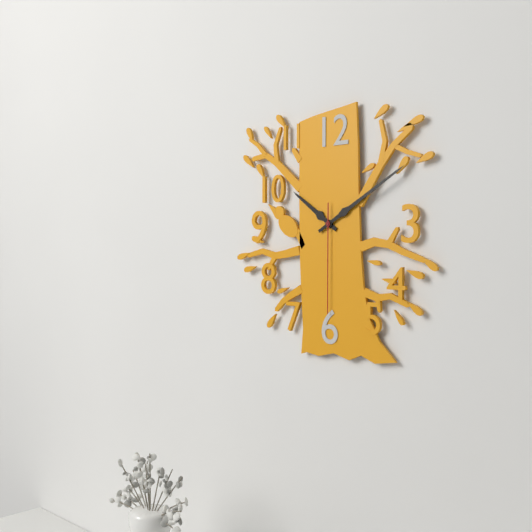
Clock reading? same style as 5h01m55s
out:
10h10m30s
